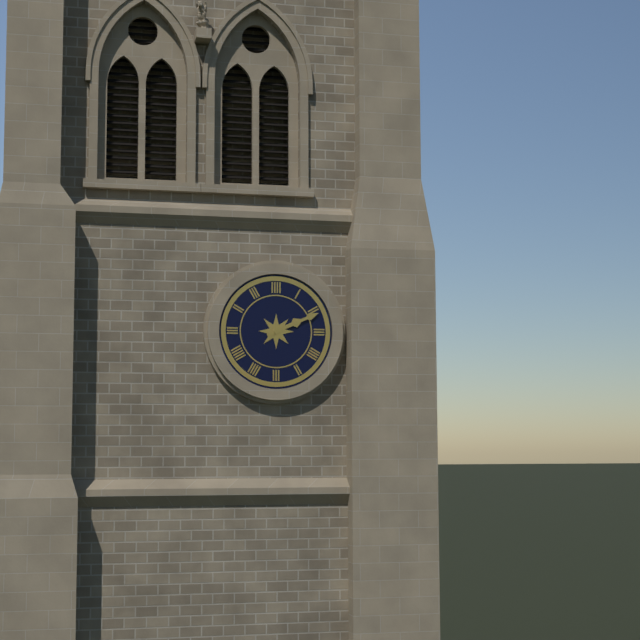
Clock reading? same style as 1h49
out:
2h11
